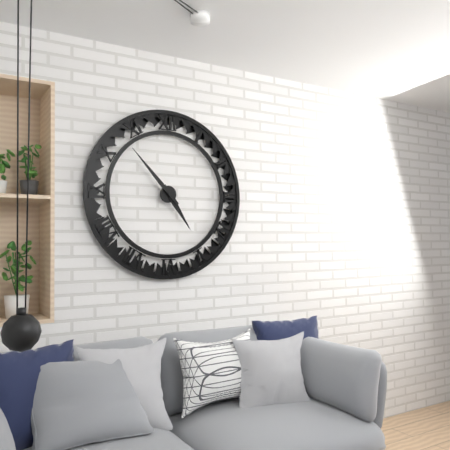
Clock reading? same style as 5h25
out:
4h53
